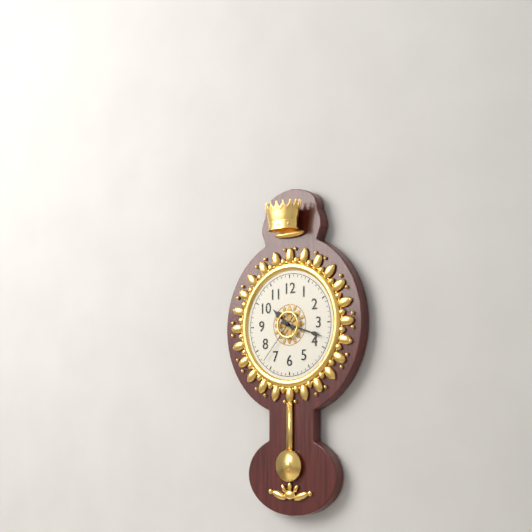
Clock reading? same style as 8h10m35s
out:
10h18m37s
